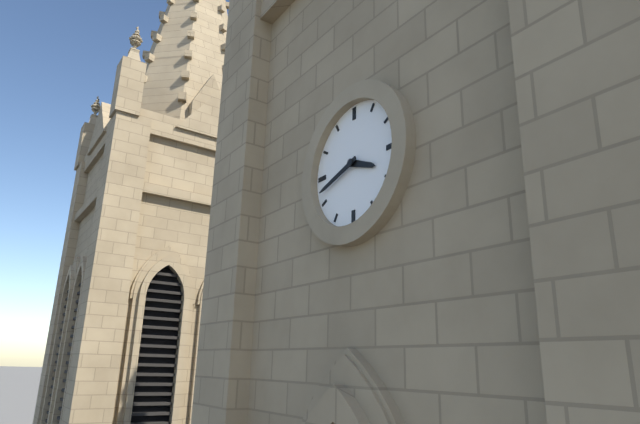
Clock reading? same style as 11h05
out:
3h42
